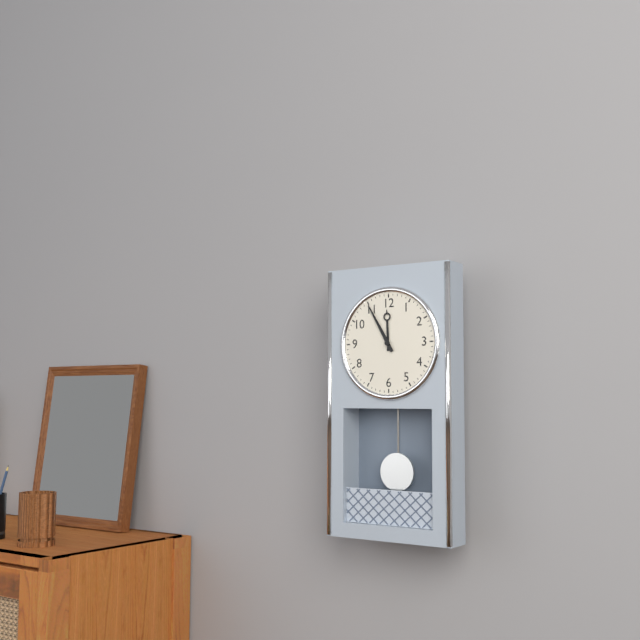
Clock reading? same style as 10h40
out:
11h55
